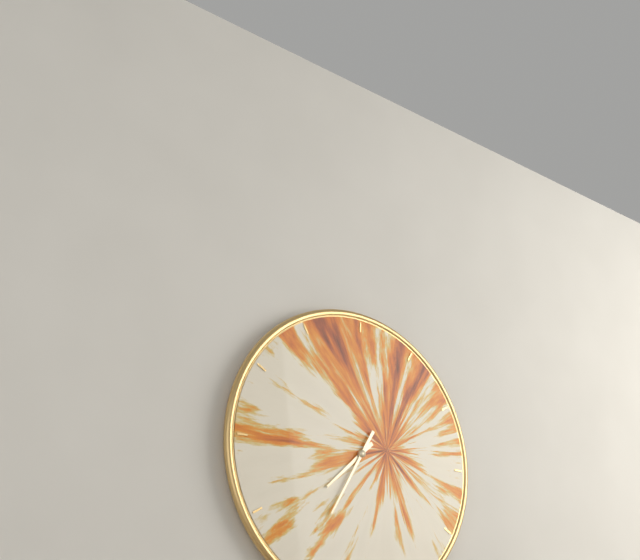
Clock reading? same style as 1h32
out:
7h35
